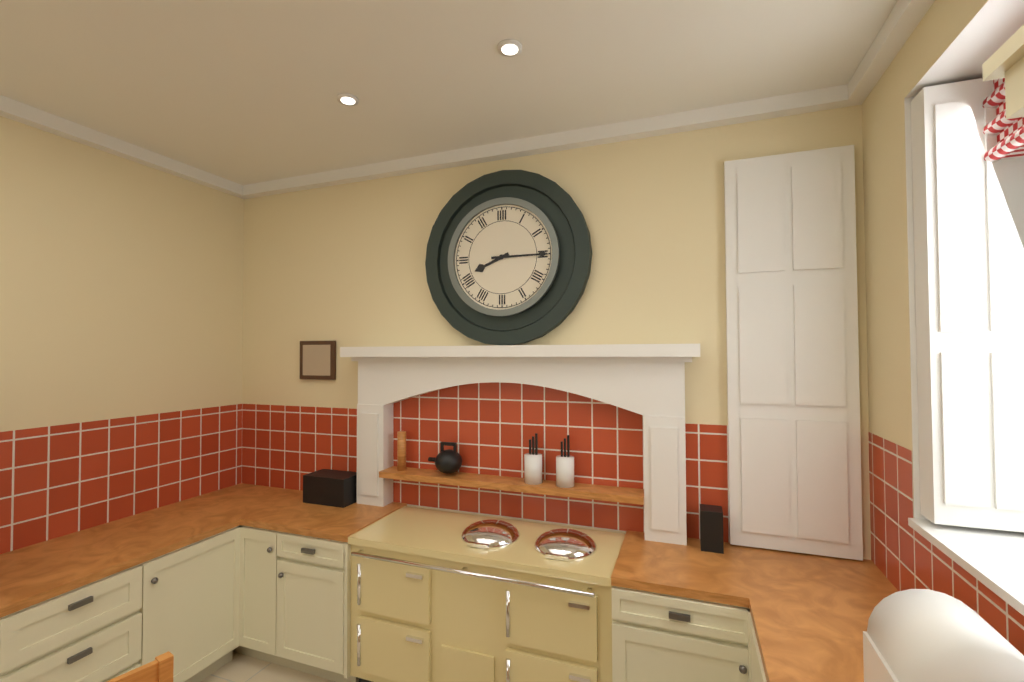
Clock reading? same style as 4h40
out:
8h15
